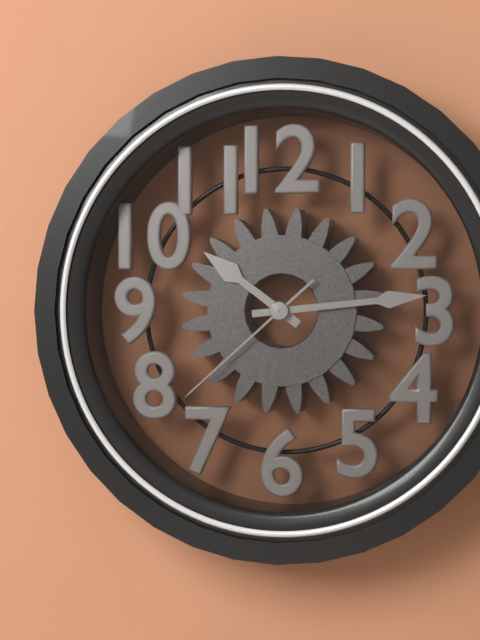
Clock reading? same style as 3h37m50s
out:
10h14m38s
